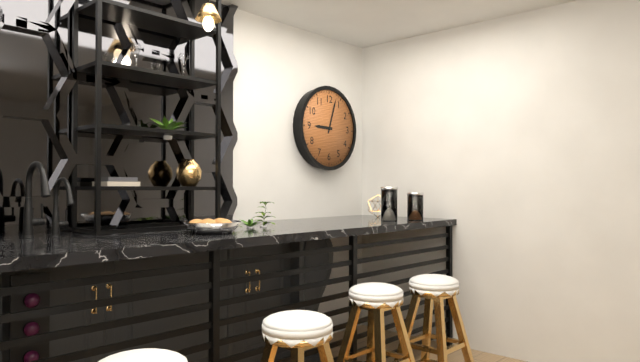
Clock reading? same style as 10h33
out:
9h03
